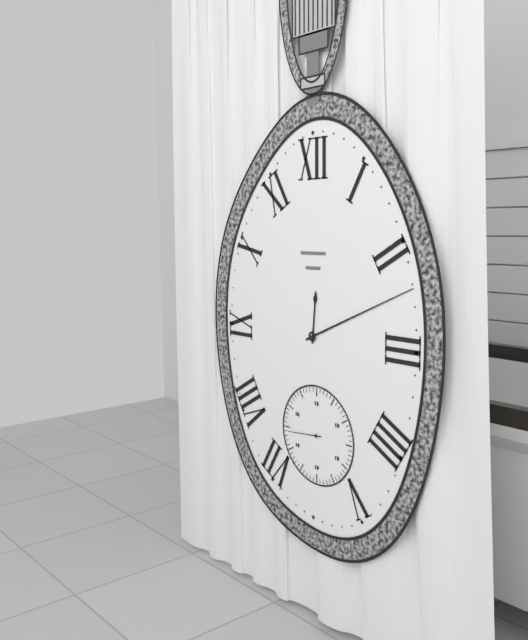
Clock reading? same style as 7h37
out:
12h11
